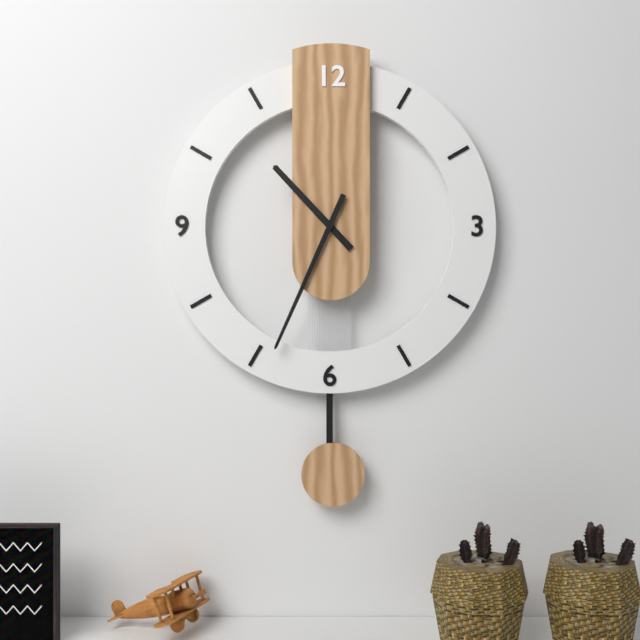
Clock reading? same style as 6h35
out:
10h34
